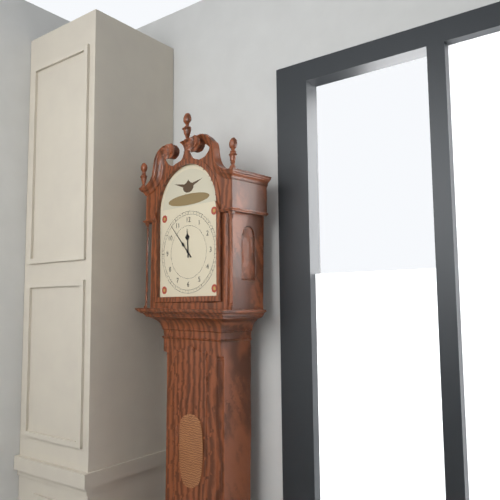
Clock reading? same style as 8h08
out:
11h53
